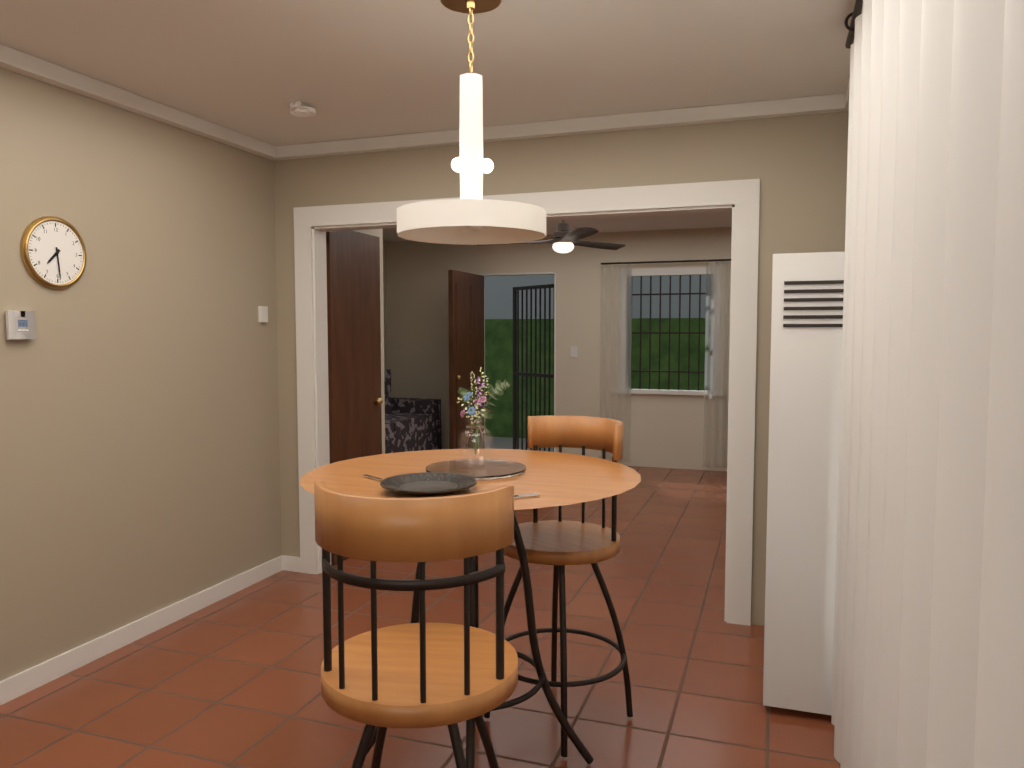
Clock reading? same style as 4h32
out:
7h29
